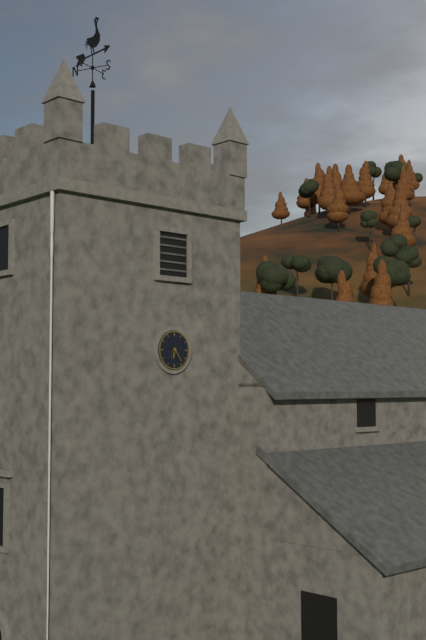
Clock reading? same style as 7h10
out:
6h24
